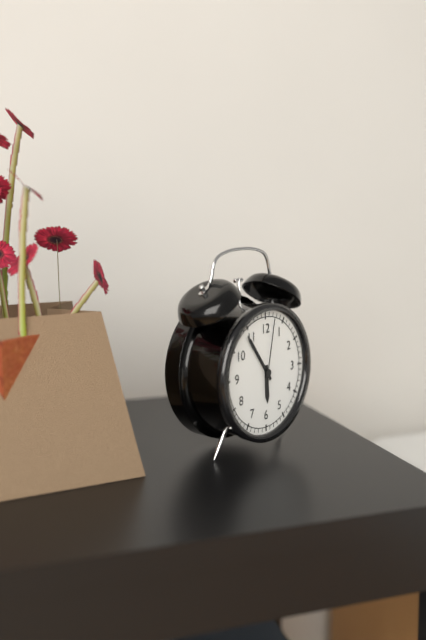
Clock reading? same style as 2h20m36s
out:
5h54m02s
